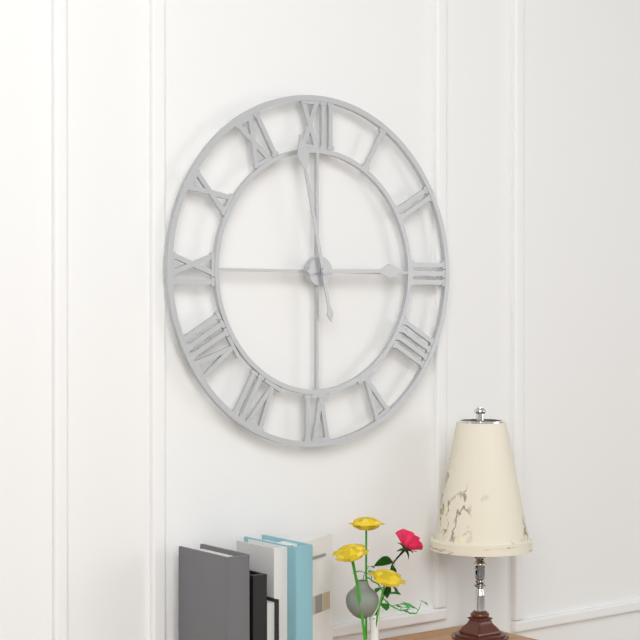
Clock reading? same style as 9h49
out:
2h58
